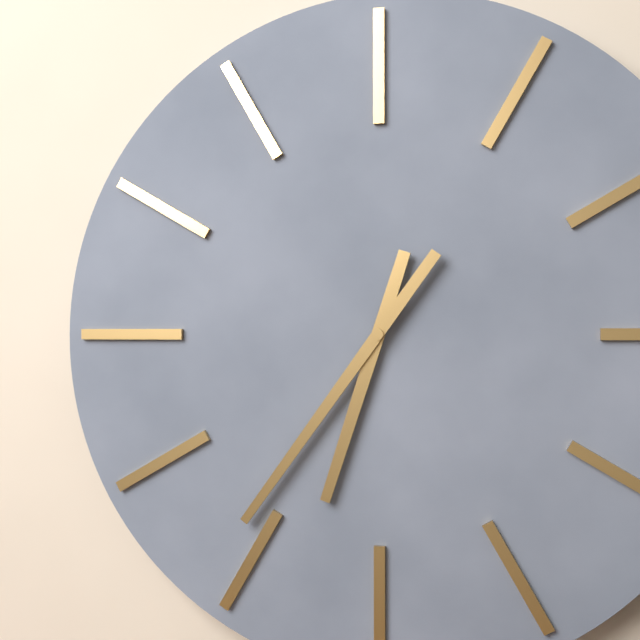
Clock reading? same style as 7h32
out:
6h36
